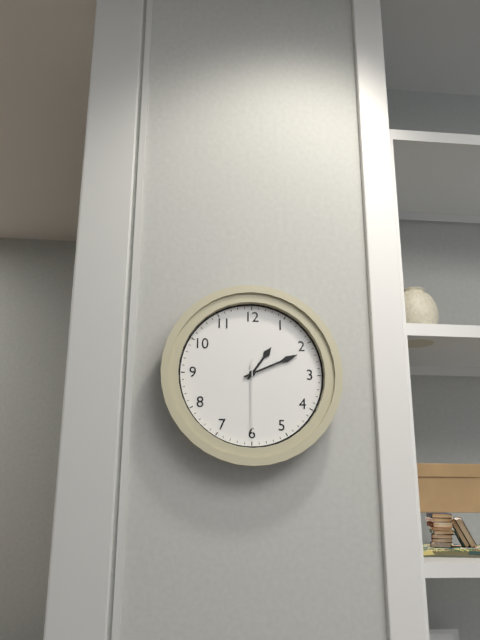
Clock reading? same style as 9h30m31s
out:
1h11m30s
